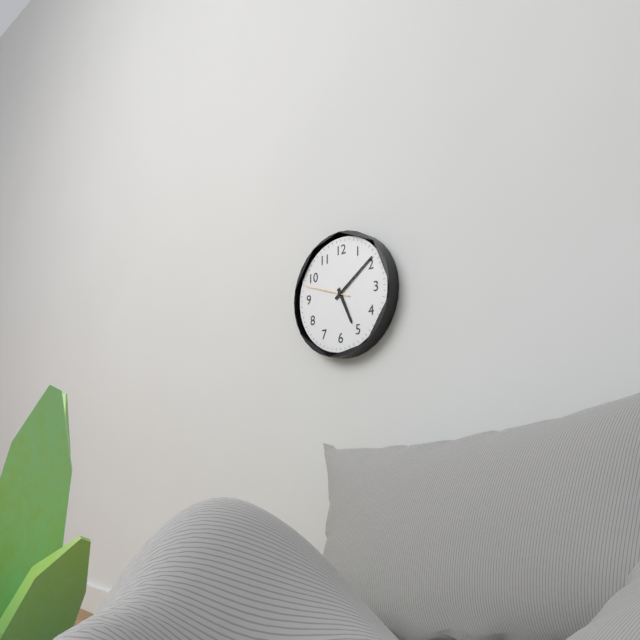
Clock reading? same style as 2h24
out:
5h09
